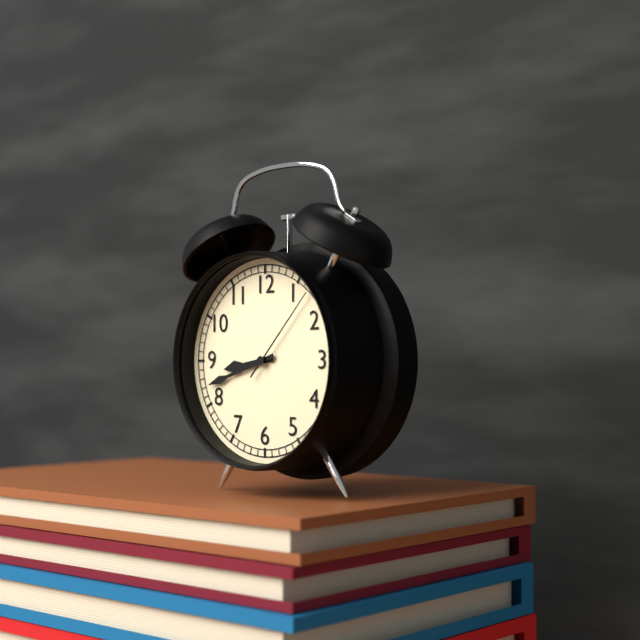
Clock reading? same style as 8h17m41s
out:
8h42m07s
